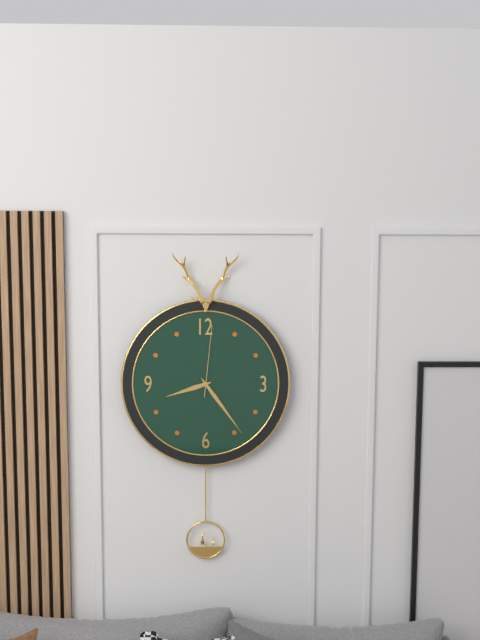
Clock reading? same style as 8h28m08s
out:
8h24m01s
